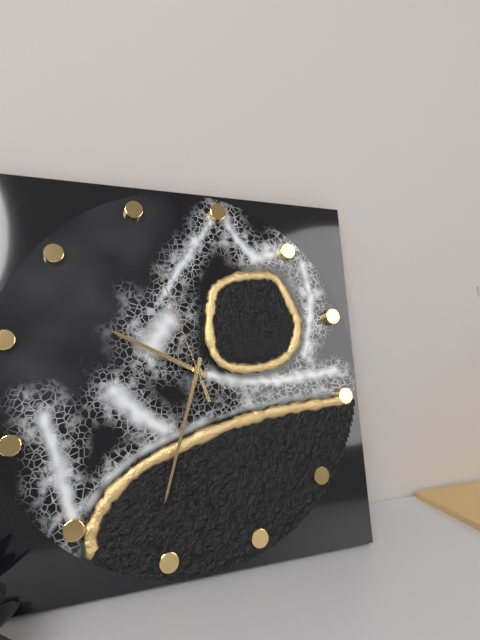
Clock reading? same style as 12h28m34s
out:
9h31m55s
